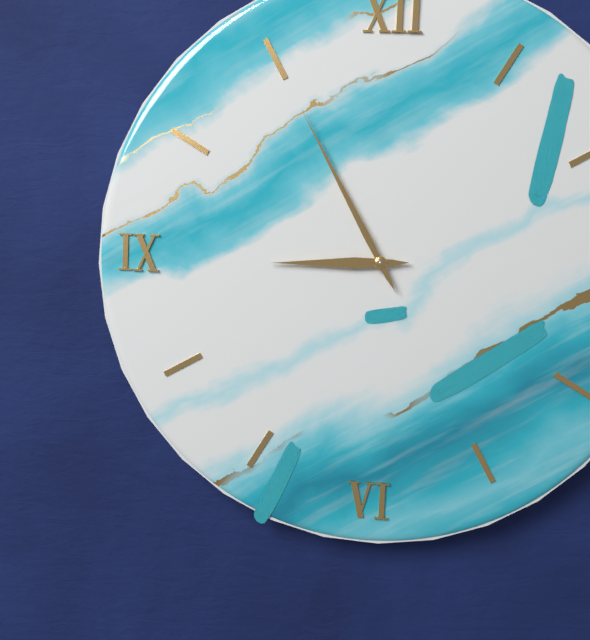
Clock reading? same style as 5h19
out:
8h55
